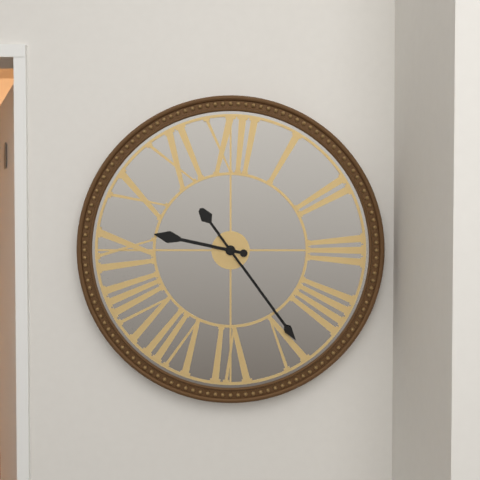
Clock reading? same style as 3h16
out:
9h24
